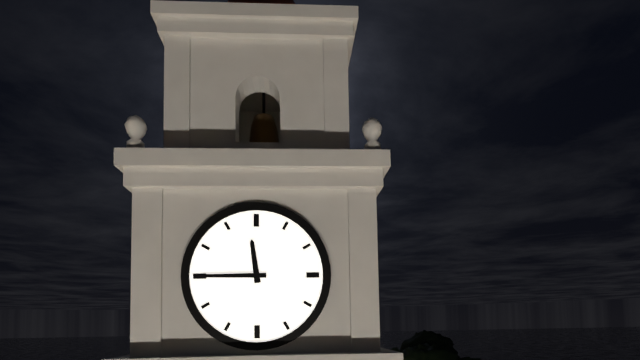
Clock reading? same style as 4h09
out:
11h45
